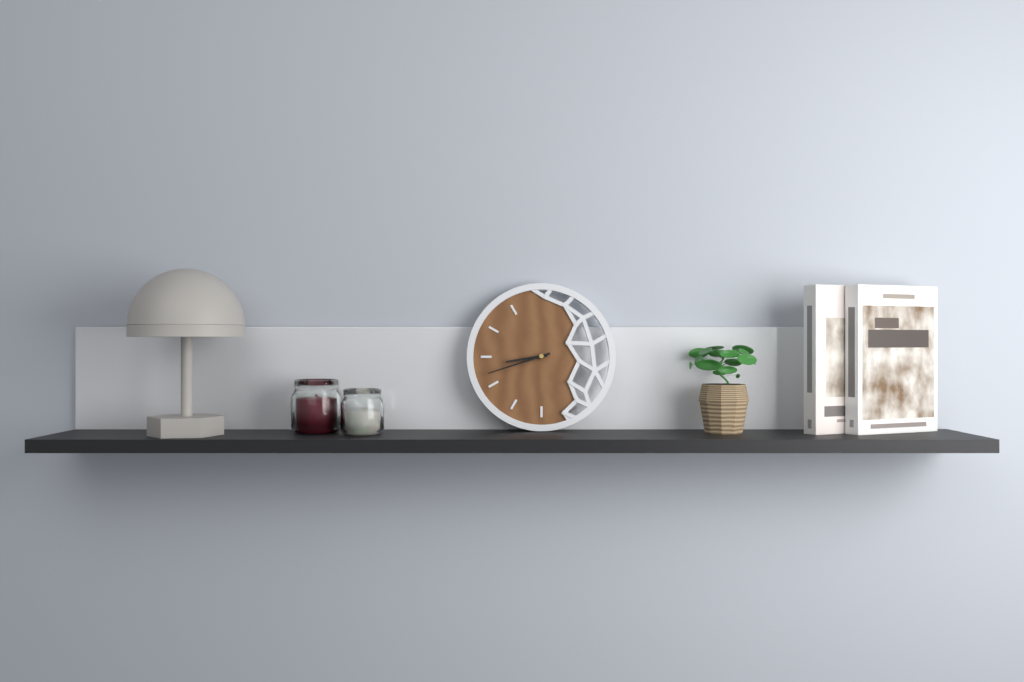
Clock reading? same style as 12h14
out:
8h42
